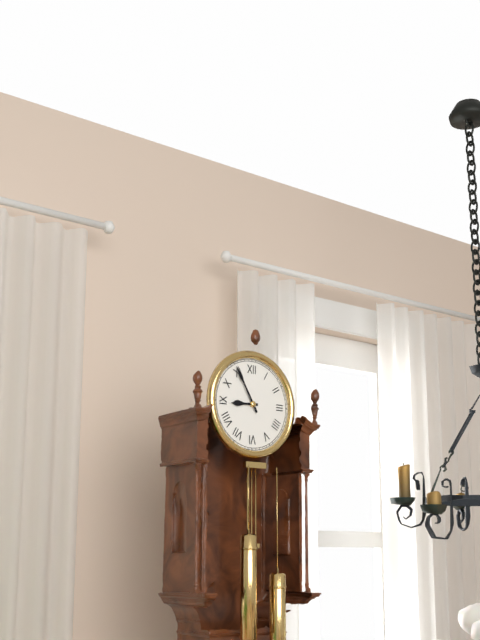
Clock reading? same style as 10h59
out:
8h55
